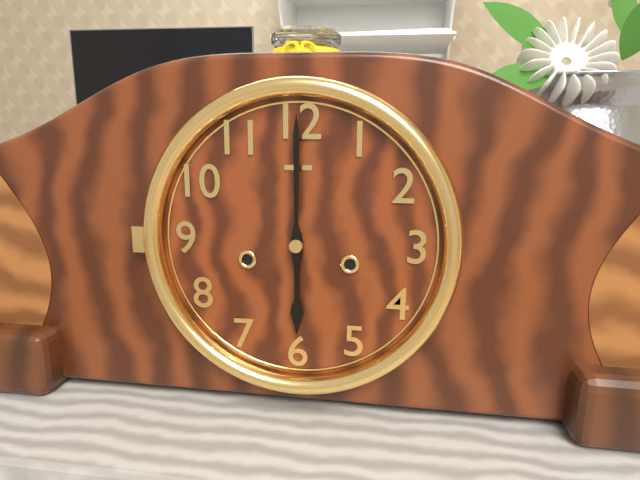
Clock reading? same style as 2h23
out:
6h00
